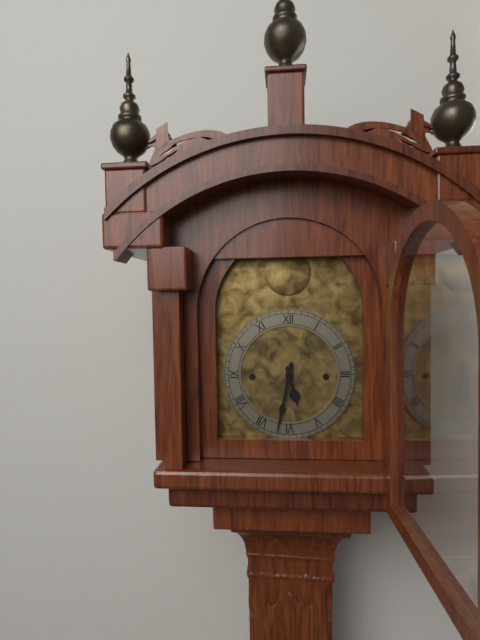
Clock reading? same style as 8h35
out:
5h32
